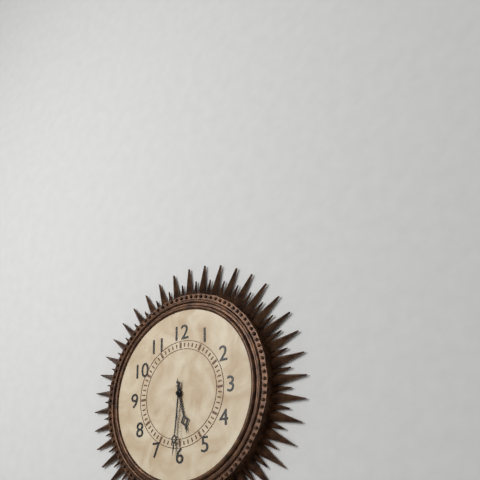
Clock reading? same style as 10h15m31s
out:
5h31m30s
